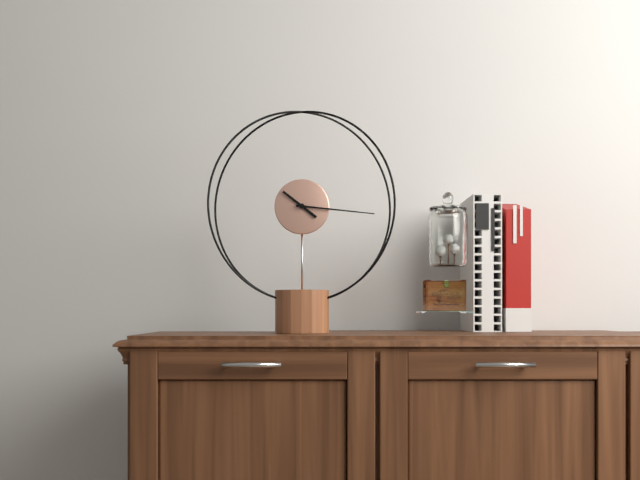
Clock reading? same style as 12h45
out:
10h16
